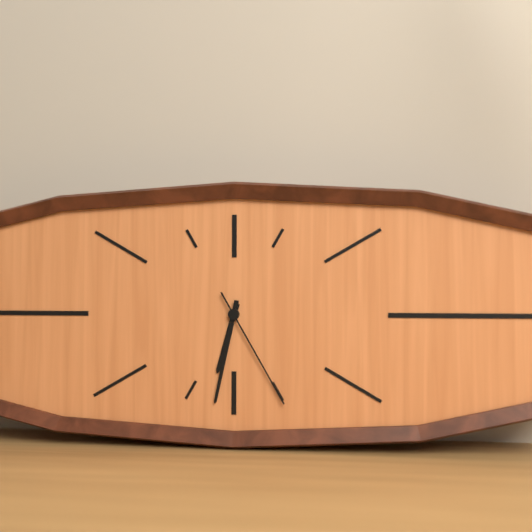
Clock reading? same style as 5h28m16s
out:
6h32m25s
